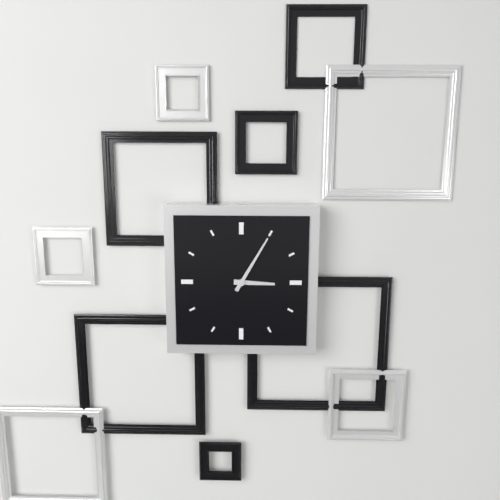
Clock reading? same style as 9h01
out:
3h05
